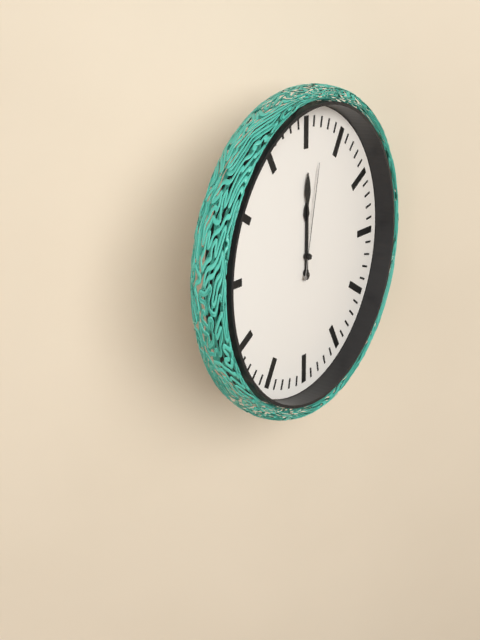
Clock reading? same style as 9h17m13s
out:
12h00m02s
